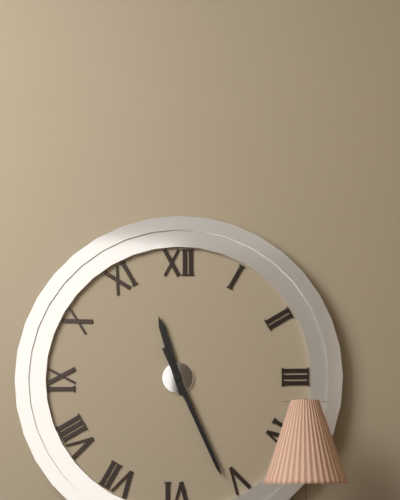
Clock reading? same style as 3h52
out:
11h26
